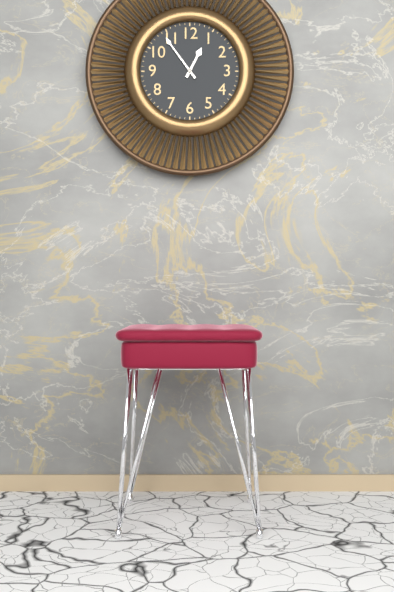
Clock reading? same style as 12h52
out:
12h54
